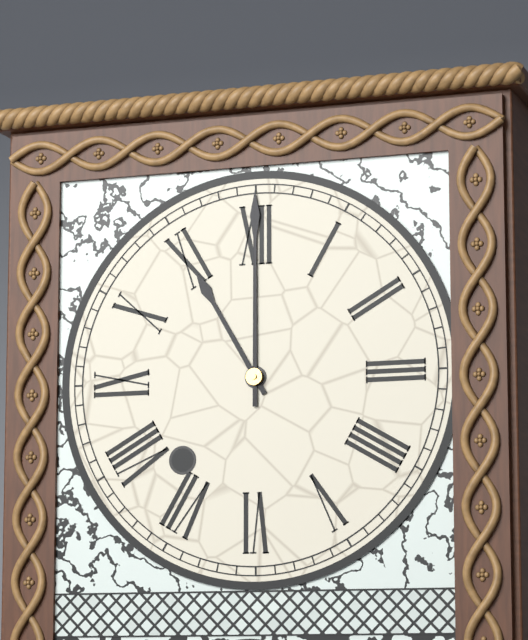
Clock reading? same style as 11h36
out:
11h00
